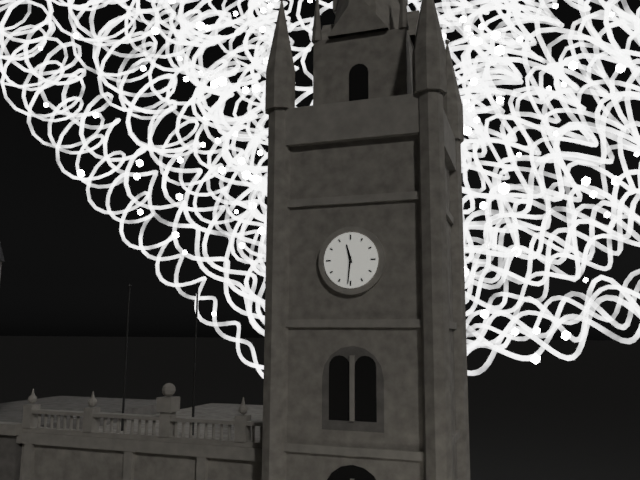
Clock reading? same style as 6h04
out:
11h31
